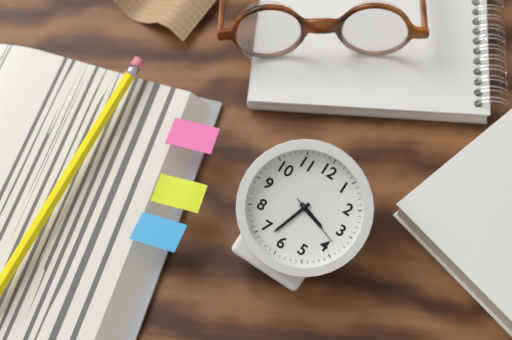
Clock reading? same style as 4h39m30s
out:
3h33m18s
